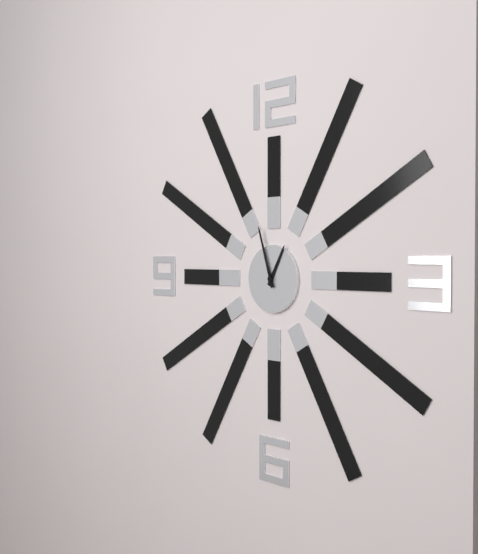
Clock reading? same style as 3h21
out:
12h57
